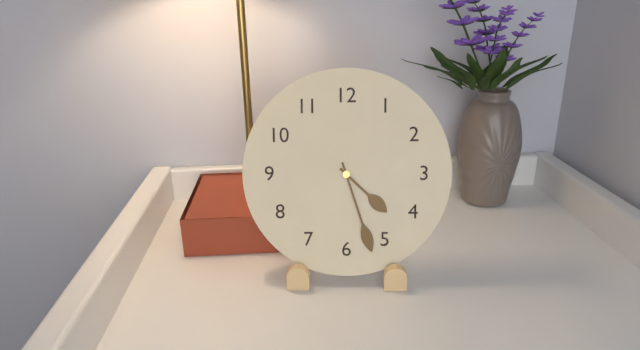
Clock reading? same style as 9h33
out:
4h27
